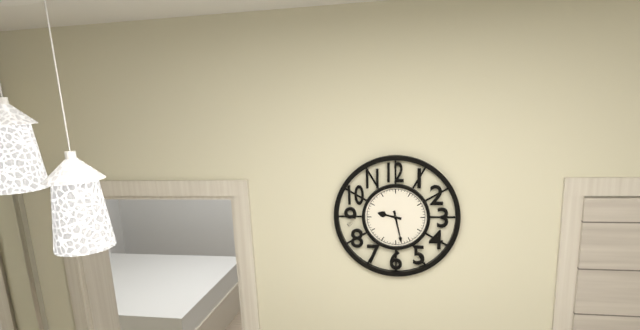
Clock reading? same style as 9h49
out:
9h28
